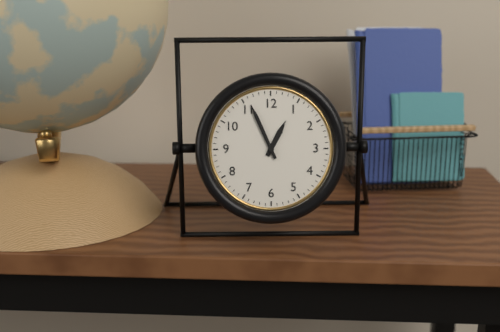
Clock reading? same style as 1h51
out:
12h56
